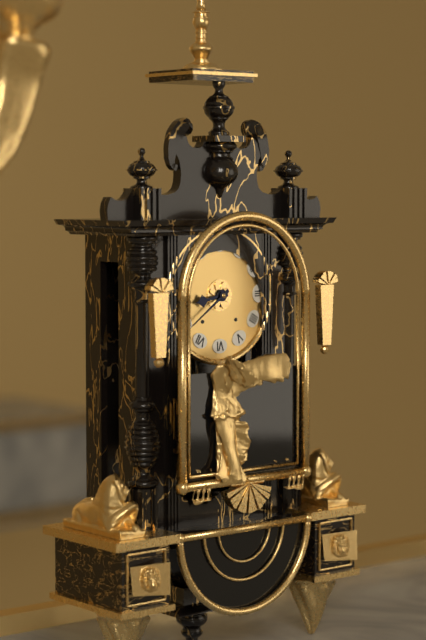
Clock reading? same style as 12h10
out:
8h39
